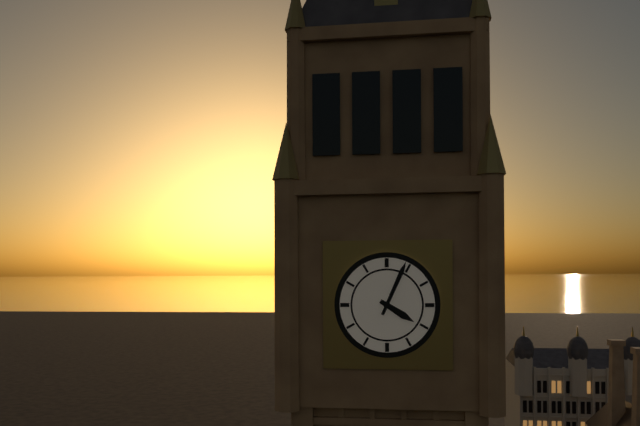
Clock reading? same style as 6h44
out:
4h04
